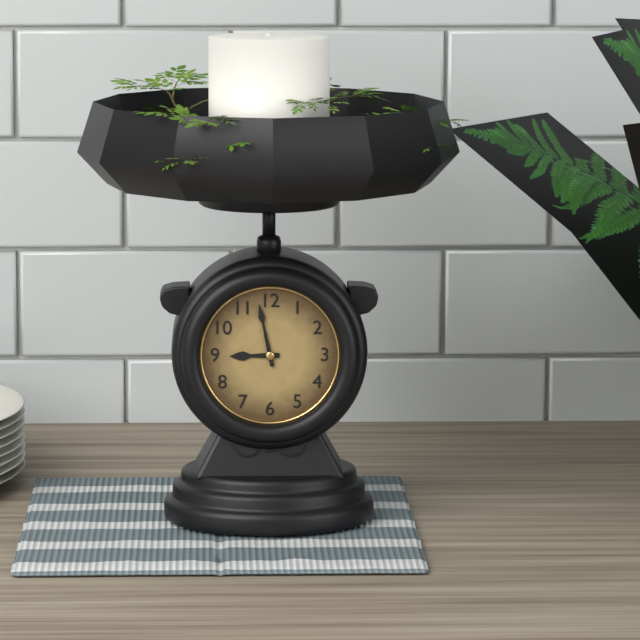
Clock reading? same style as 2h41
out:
8h58
